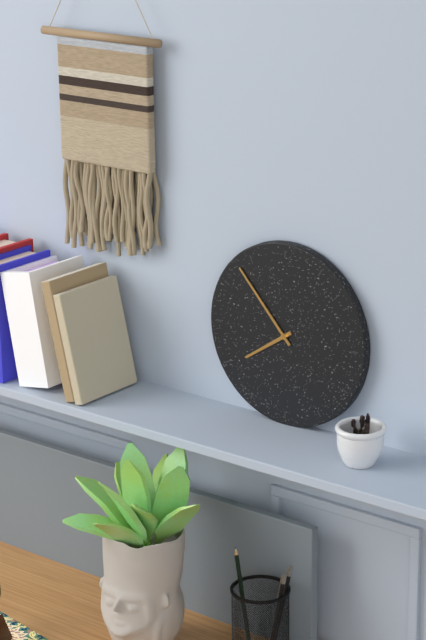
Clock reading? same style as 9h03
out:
7h53
